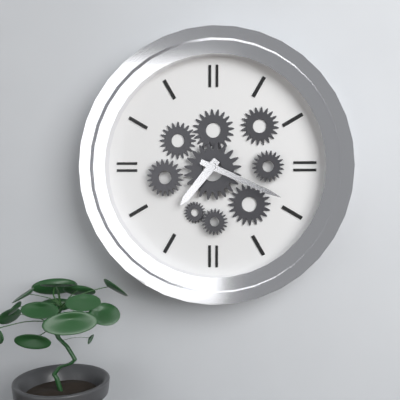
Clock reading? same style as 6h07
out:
7h19
